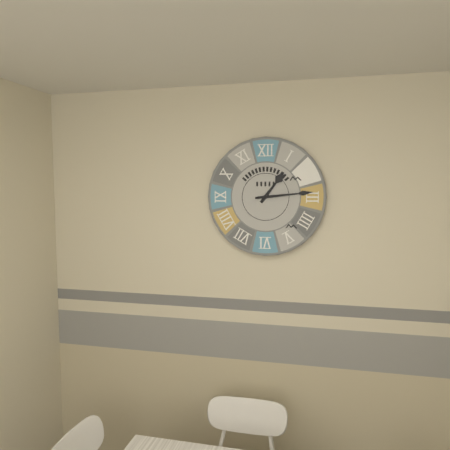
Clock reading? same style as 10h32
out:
1h14
